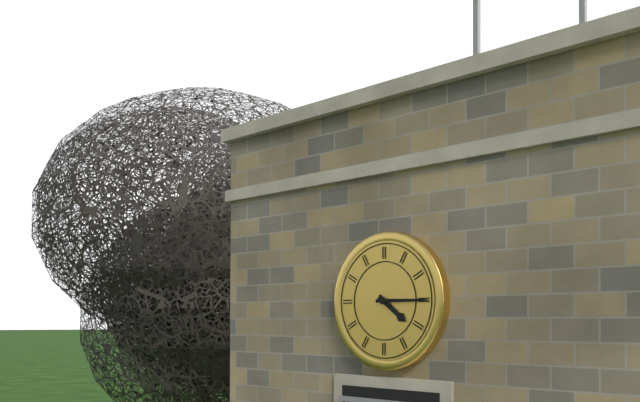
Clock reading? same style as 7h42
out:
4h15
